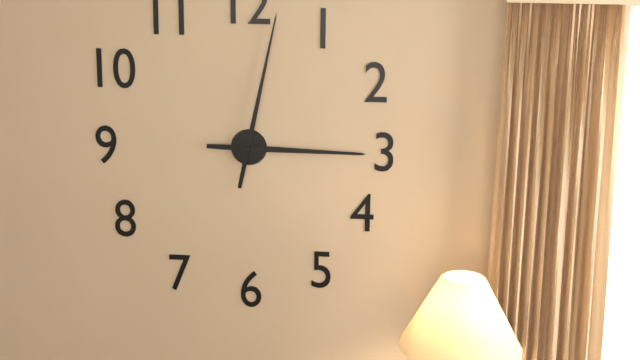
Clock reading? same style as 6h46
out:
3h02
